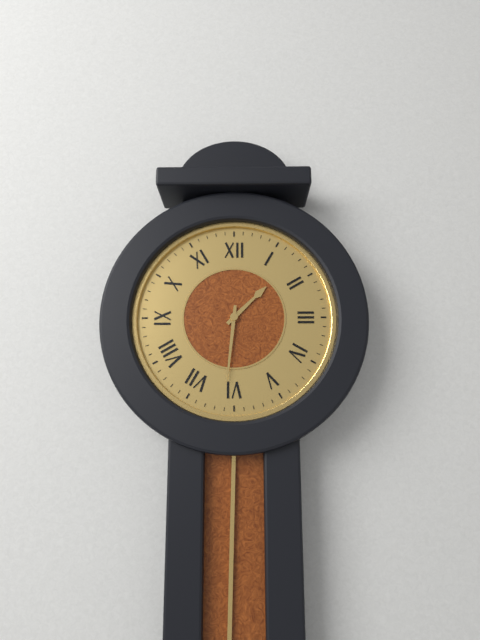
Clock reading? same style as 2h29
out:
1h31
